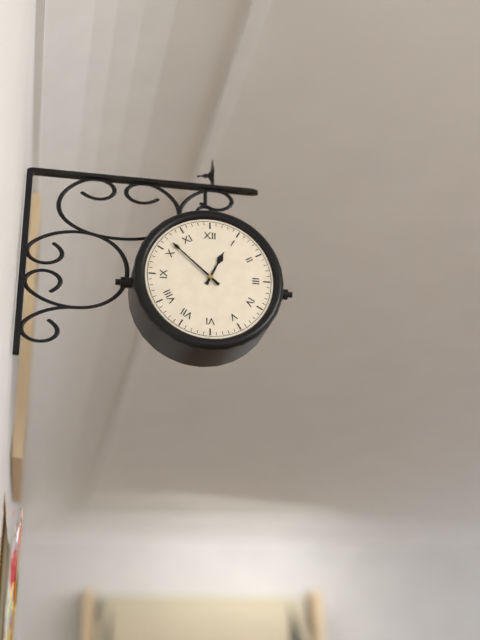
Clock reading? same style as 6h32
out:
12h52
